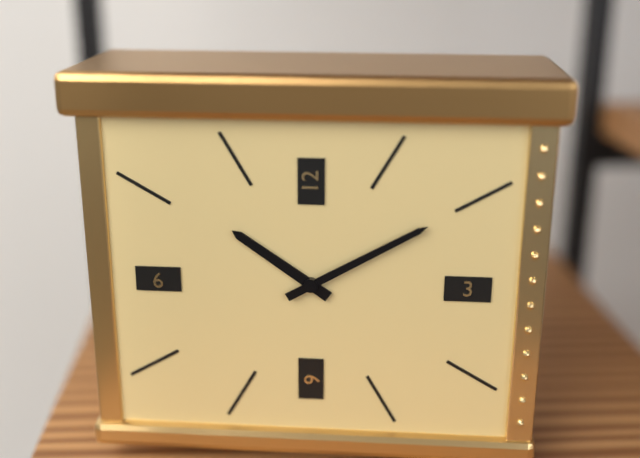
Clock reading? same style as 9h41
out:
10h10
